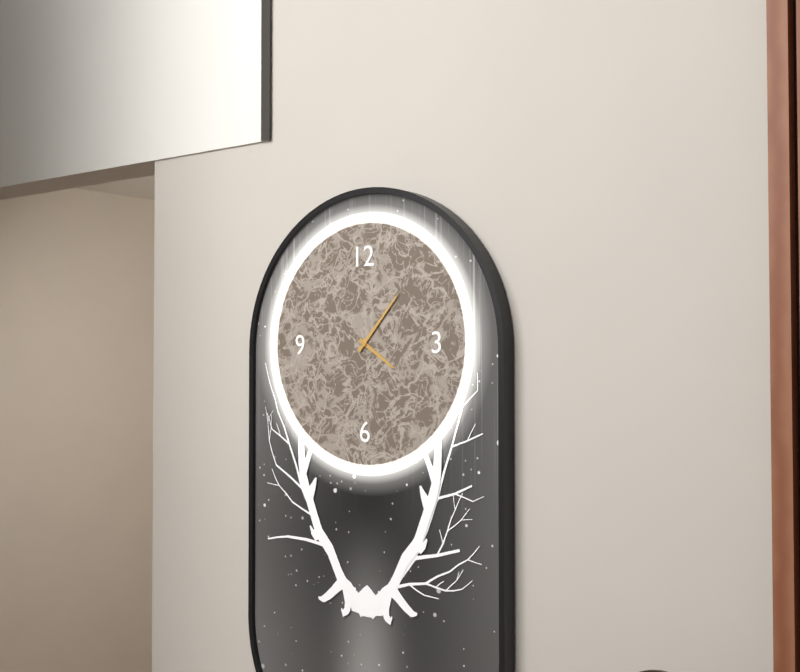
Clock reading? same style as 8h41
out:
4h07
